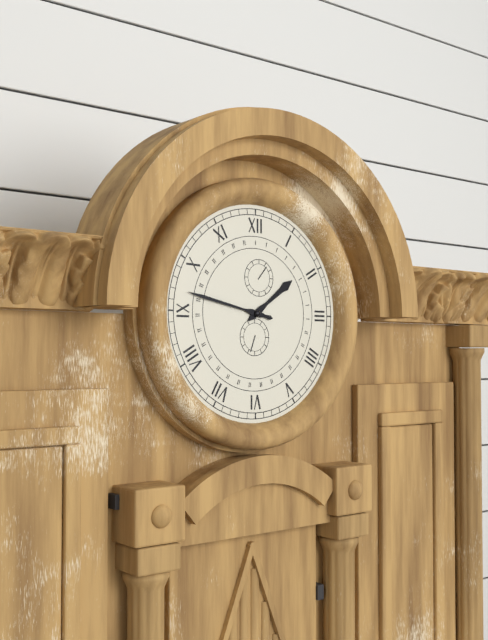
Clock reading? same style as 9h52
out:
1h47
